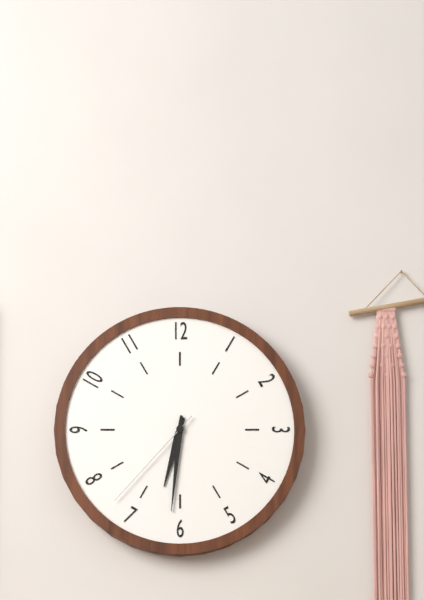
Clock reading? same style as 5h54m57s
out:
6h31m37s
